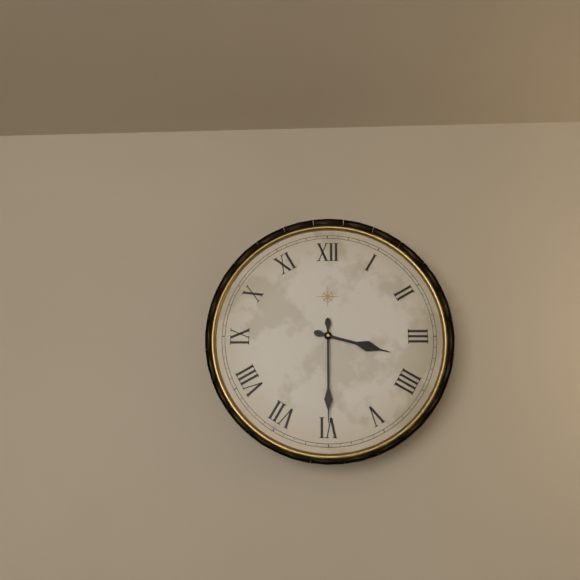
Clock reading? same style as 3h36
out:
3h30
